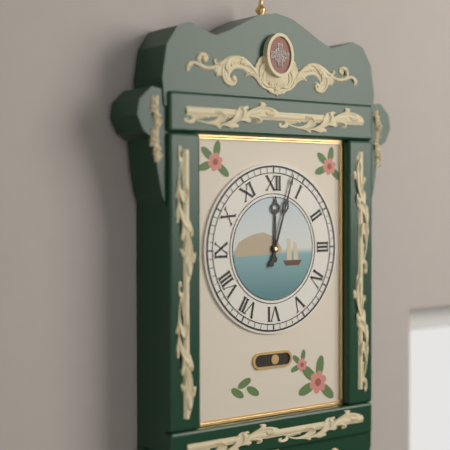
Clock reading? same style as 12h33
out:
12h03
